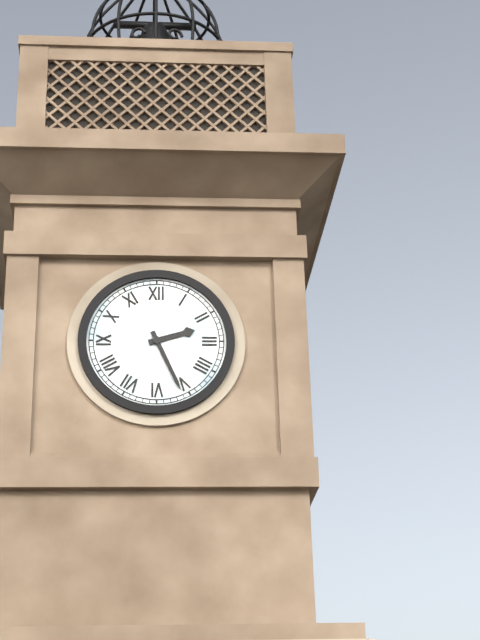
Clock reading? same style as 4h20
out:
2h26
